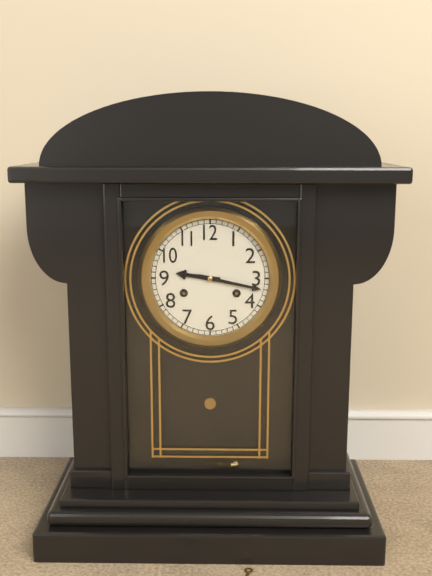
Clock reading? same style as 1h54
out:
9h17
